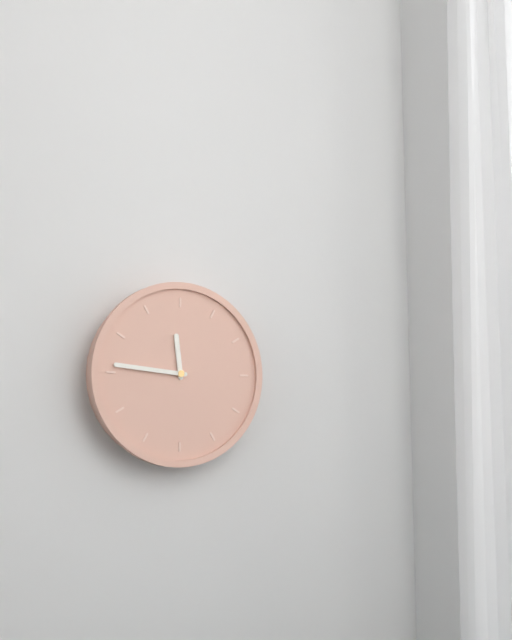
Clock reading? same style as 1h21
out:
11h46
